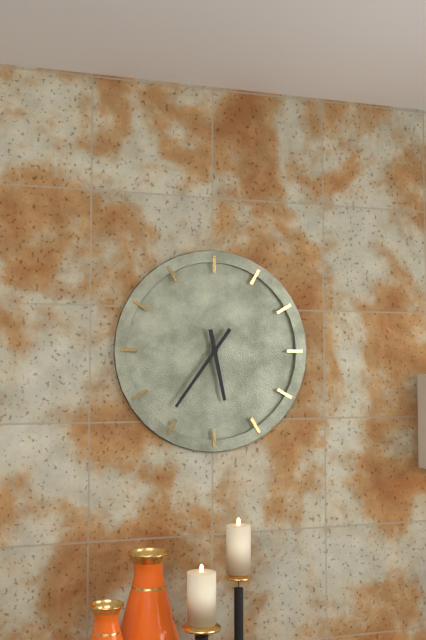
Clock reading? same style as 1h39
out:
5h36
